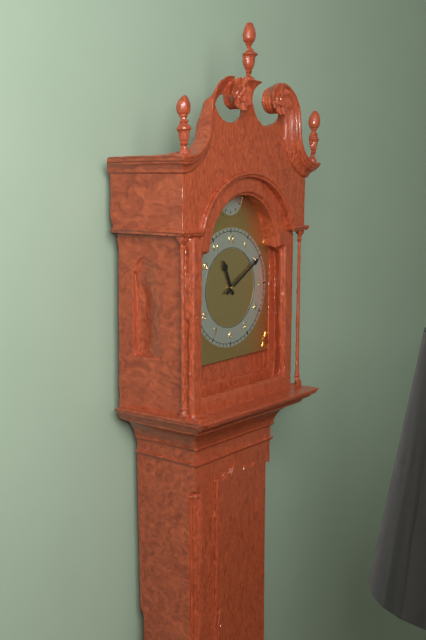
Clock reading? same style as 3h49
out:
11h10
